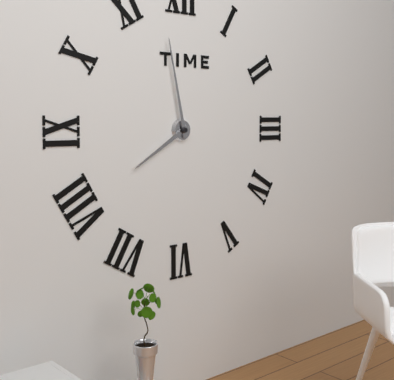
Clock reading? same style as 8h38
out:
7h58
